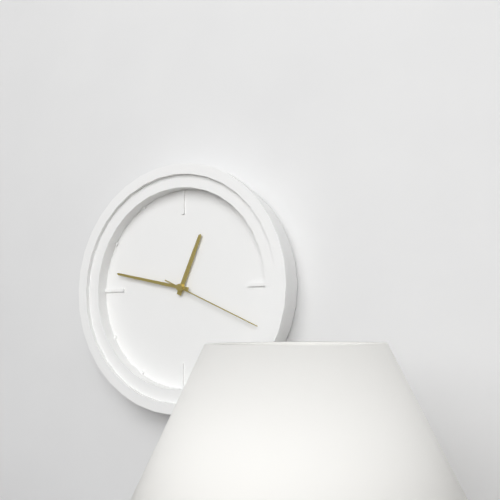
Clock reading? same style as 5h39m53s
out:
12h47m19s
